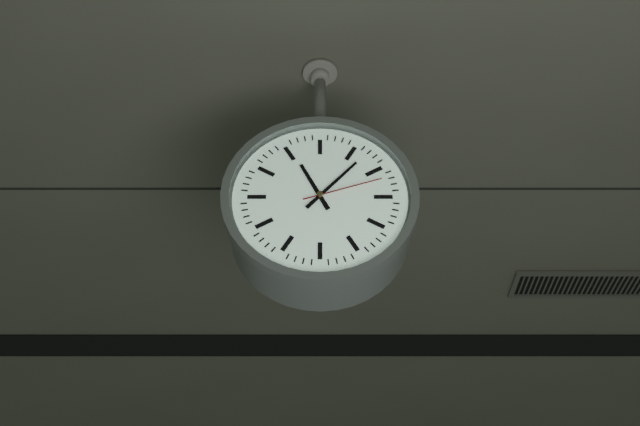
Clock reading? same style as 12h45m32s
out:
11h07m12s
